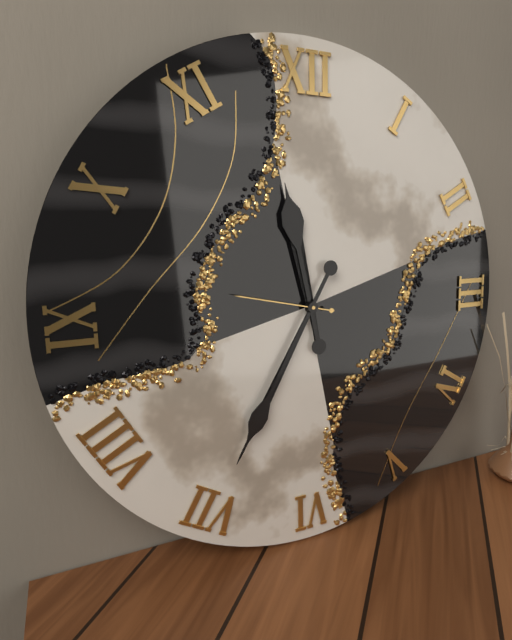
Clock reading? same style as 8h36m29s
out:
11h35m47s
